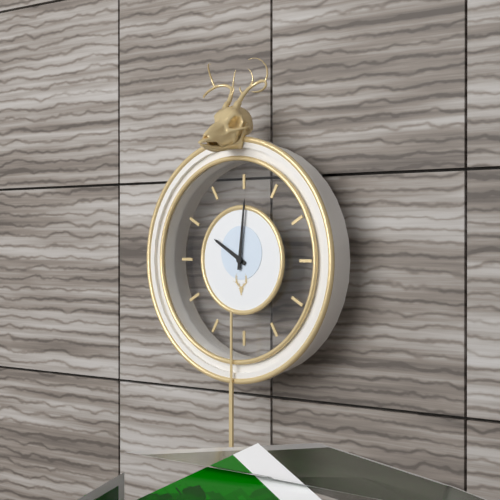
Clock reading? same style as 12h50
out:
10h01
